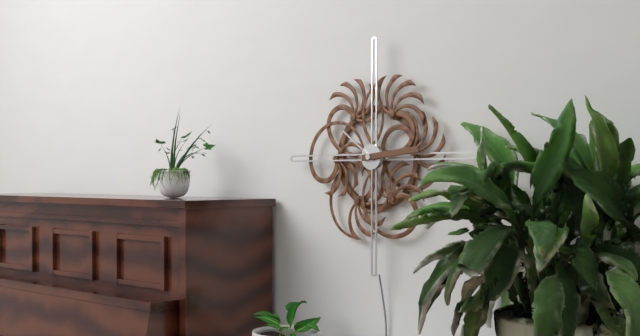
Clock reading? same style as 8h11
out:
10h14
